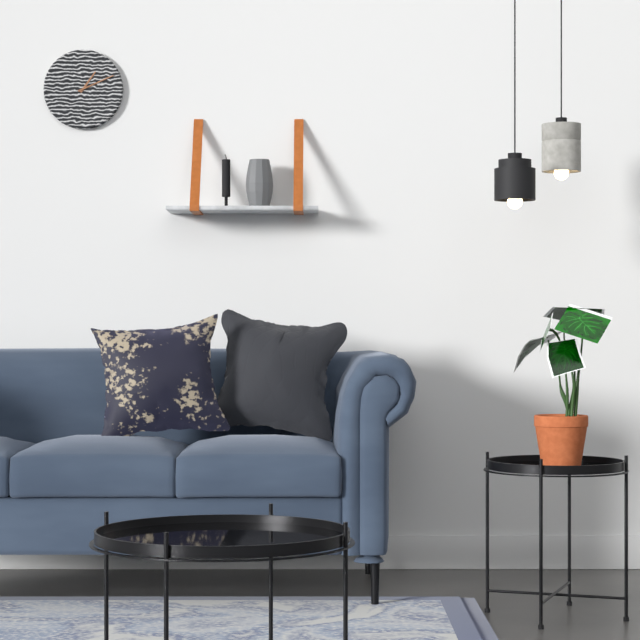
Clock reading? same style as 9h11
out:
1h11
